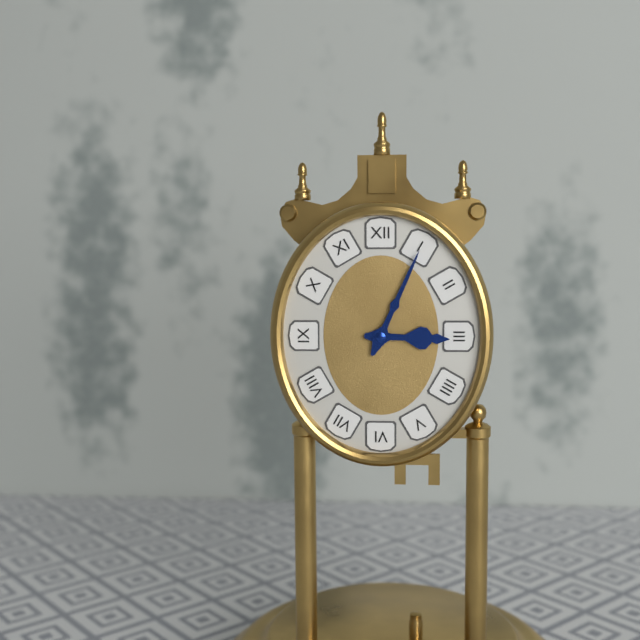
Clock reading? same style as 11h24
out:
3h04
